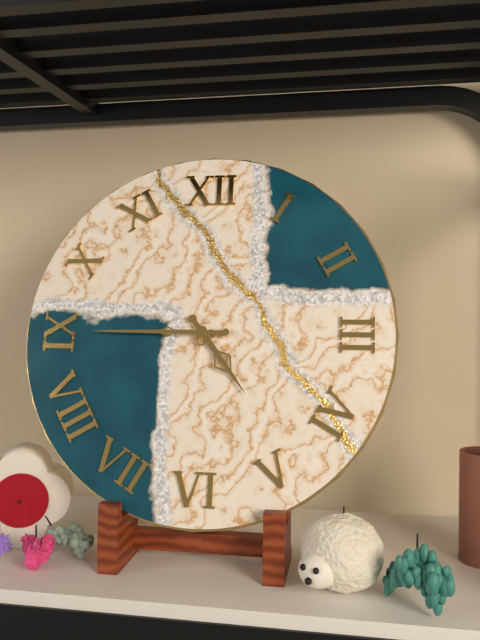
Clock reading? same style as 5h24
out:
4h45
